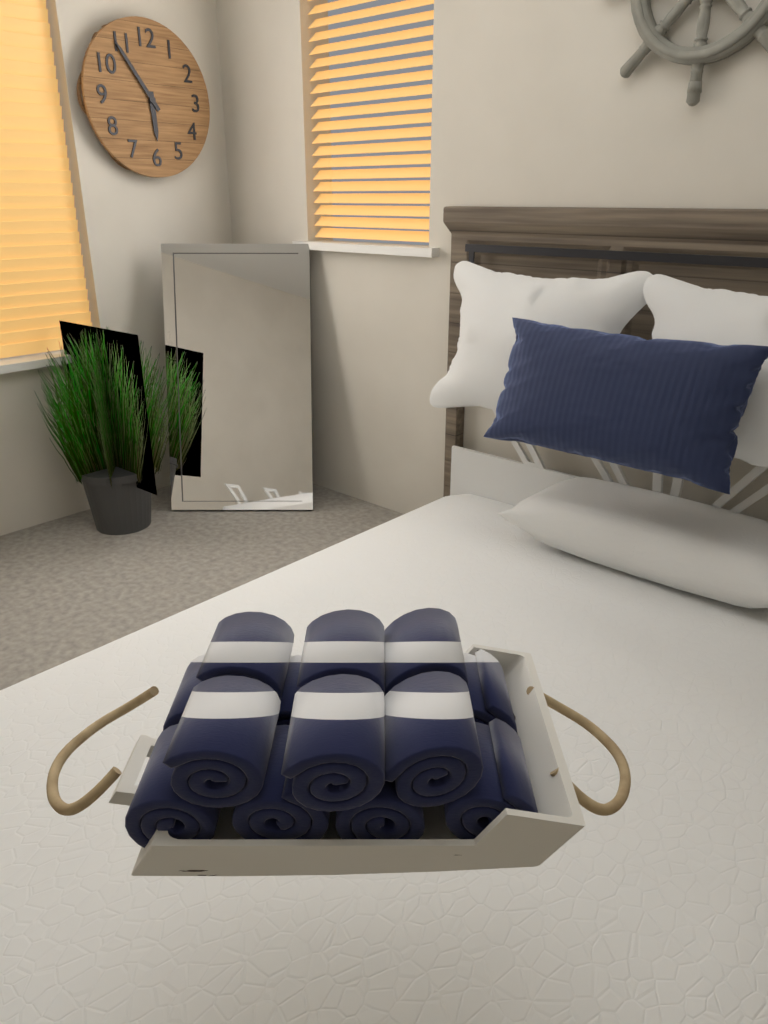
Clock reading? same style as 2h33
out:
5h54
